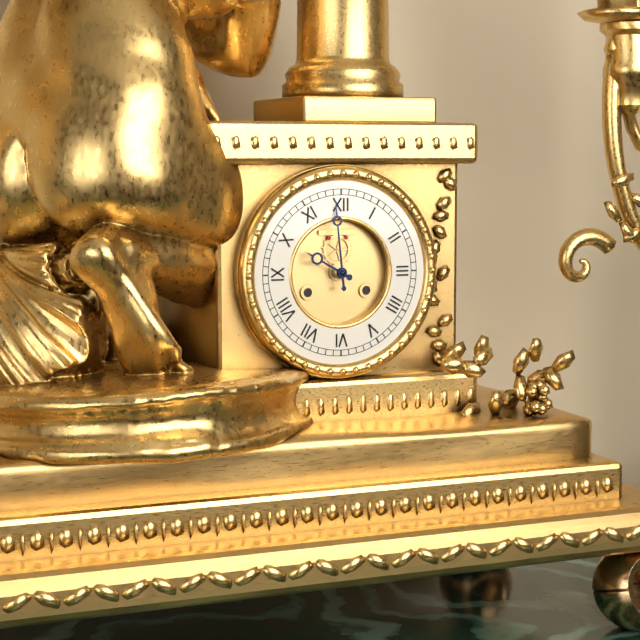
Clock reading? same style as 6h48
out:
9h59
